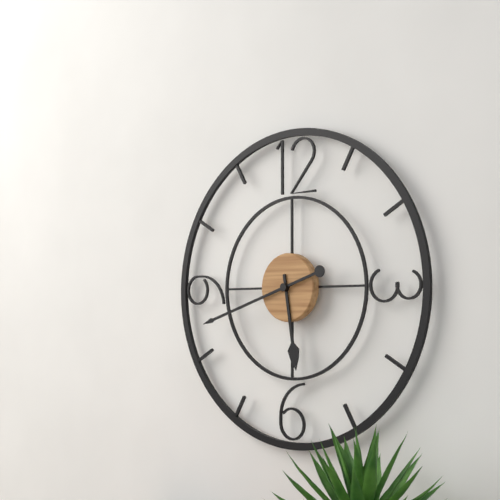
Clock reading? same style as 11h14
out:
5h42
